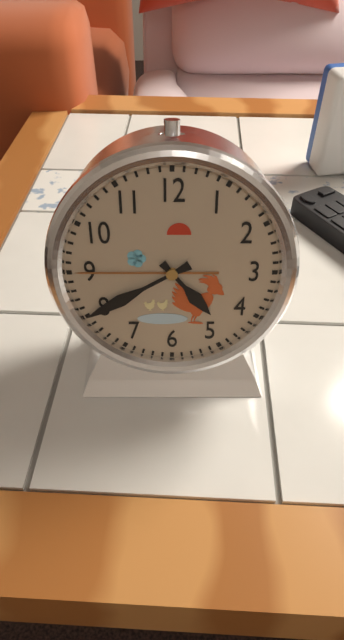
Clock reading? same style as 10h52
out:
4h40
